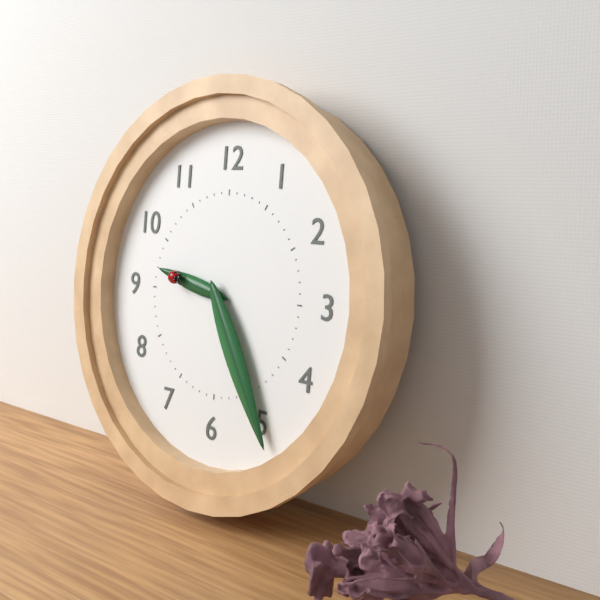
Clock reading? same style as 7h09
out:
9h25
